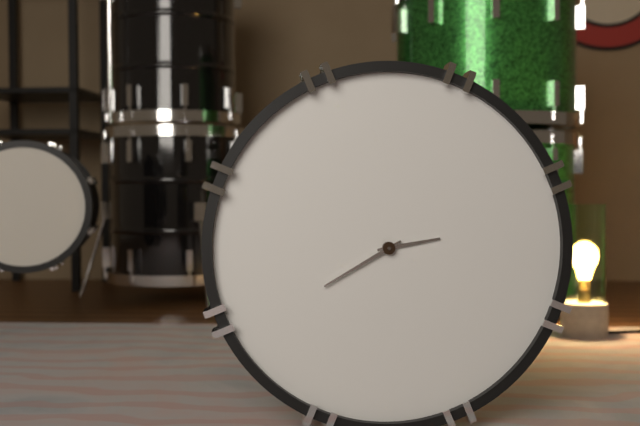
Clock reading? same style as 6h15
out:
2h40
